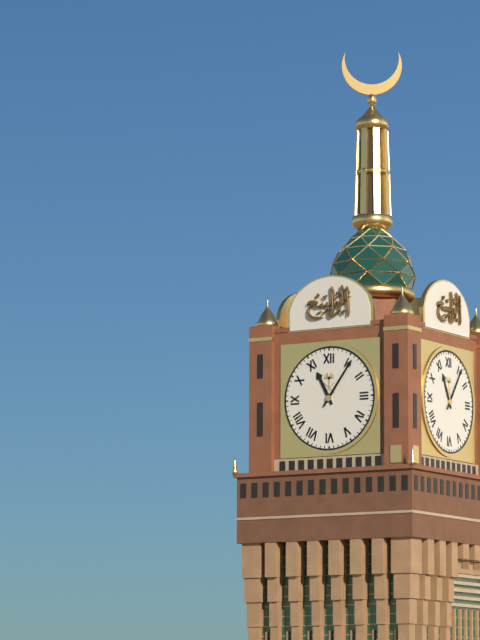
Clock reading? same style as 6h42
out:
11h06
